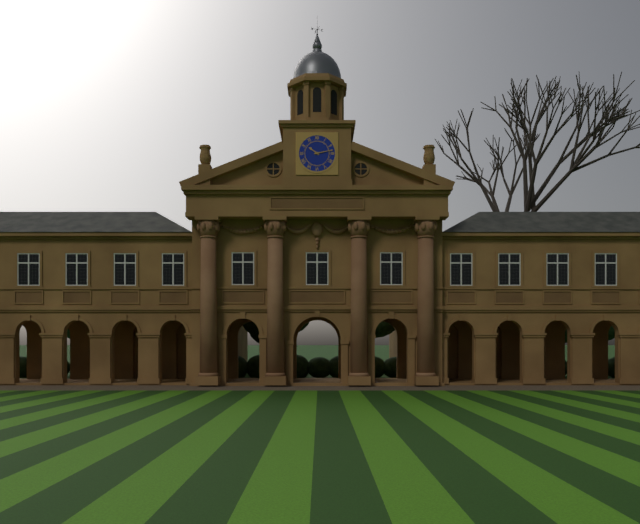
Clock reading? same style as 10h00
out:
10h13
